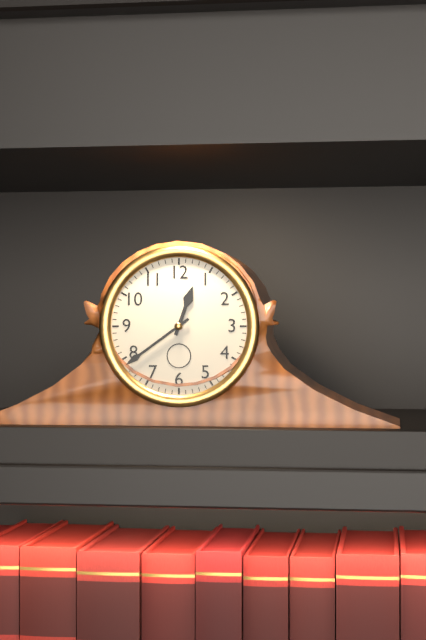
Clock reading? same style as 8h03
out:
12h39
